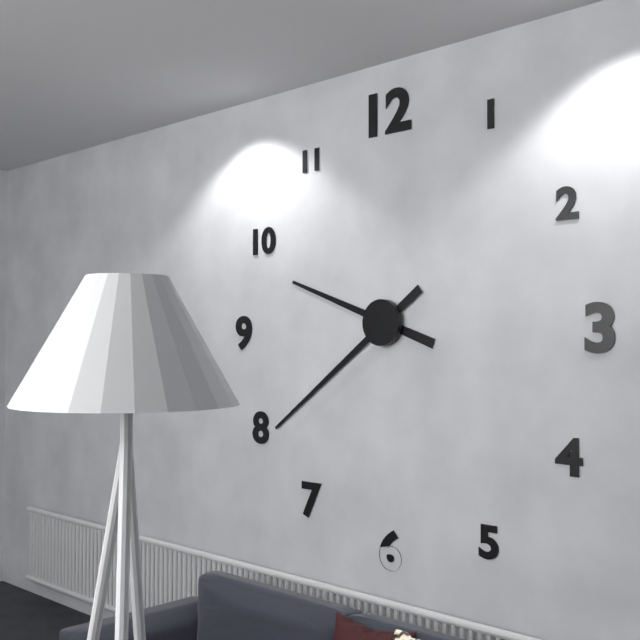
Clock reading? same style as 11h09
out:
9h39
